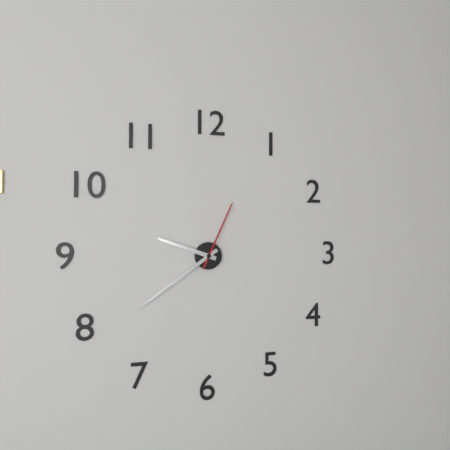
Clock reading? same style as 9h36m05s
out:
9h39m04s
